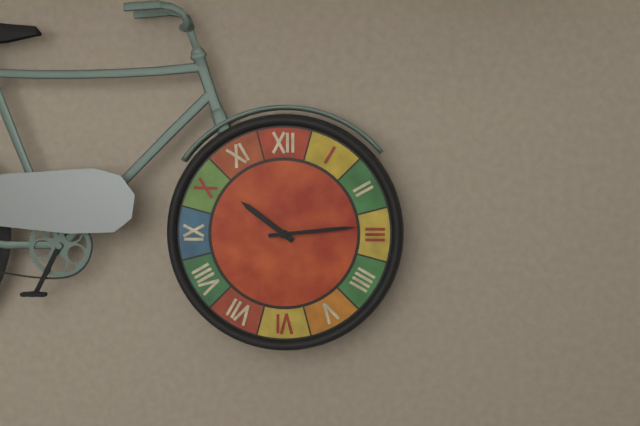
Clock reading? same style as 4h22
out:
10h14
